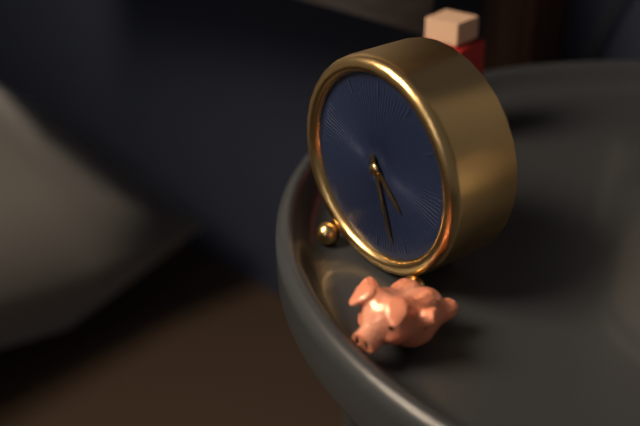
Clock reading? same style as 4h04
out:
4h27
